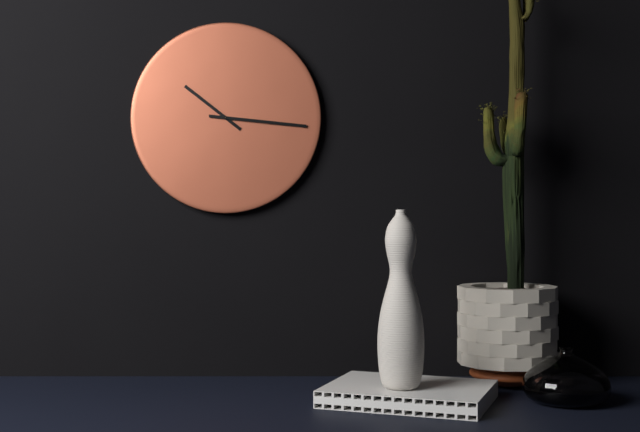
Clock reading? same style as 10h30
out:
10h16
